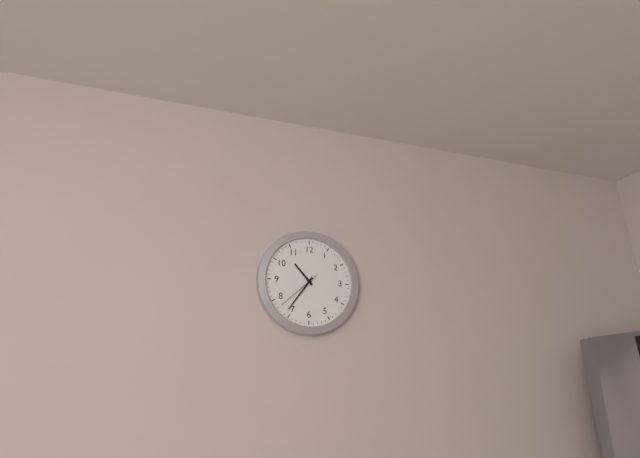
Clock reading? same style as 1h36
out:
10h36
